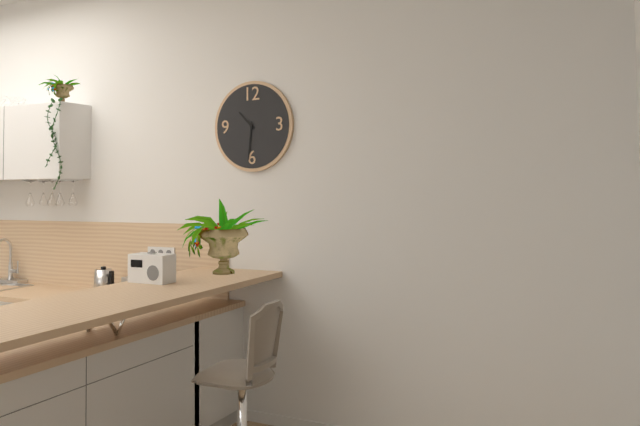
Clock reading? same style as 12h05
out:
10h31
